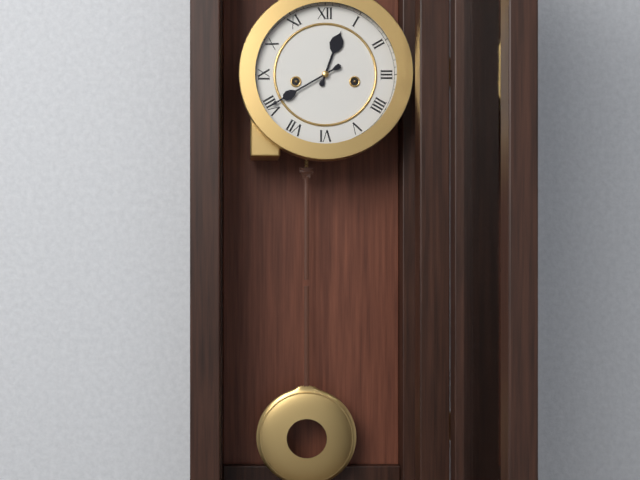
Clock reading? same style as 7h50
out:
12h40
